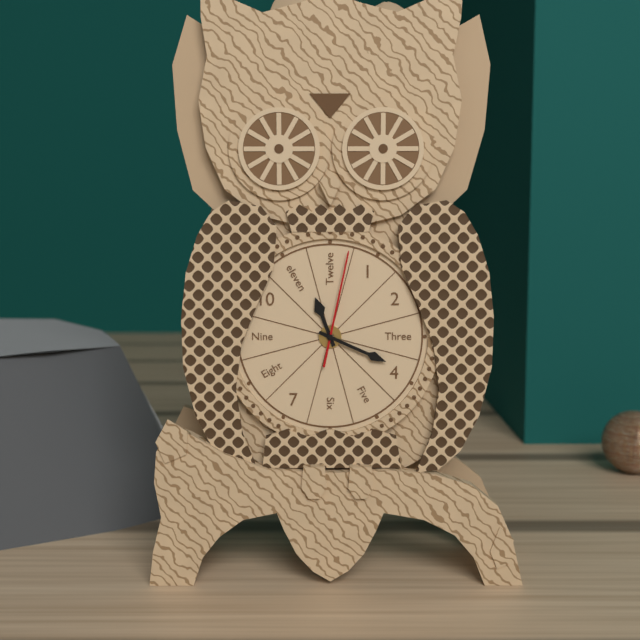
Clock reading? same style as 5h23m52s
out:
11h19m02s
